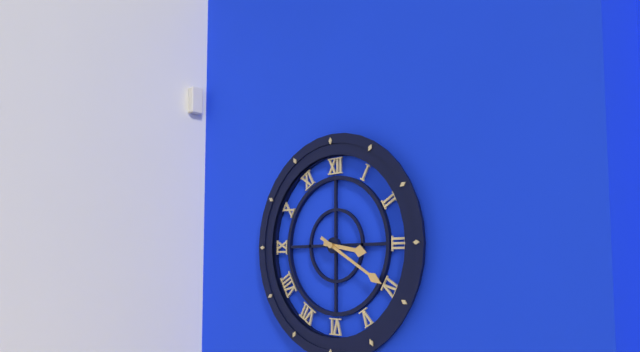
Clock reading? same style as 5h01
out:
3h20
